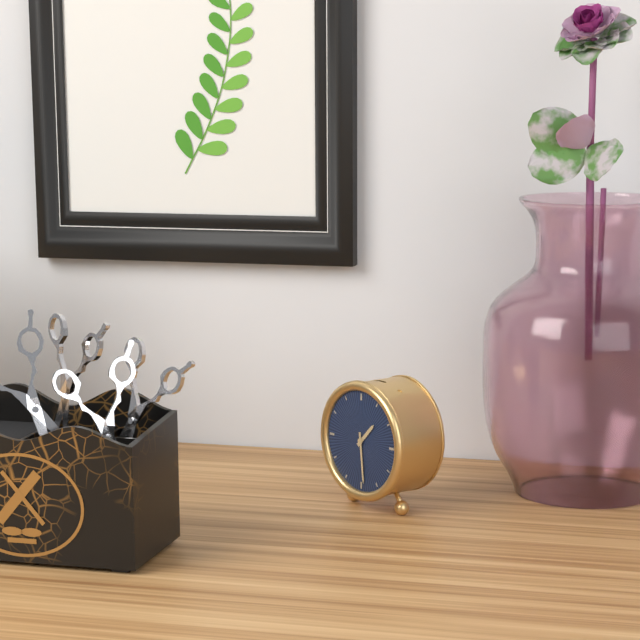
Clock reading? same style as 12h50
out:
1h29
